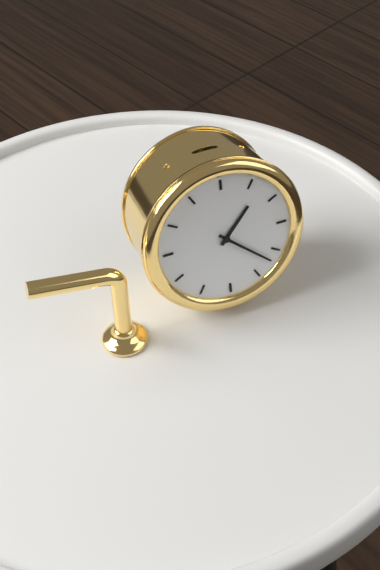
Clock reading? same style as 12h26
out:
1h22
